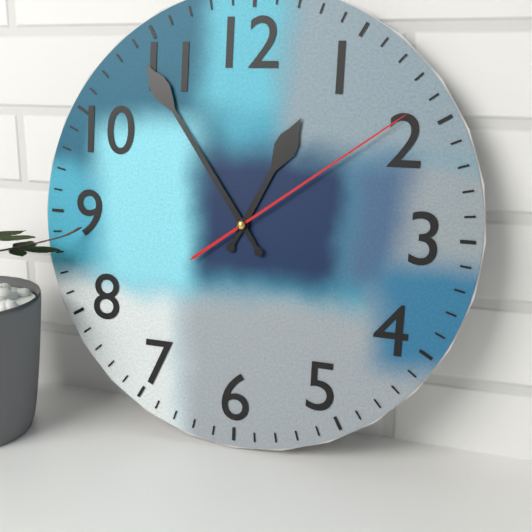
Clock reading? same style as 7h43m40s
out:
12h54m09s
